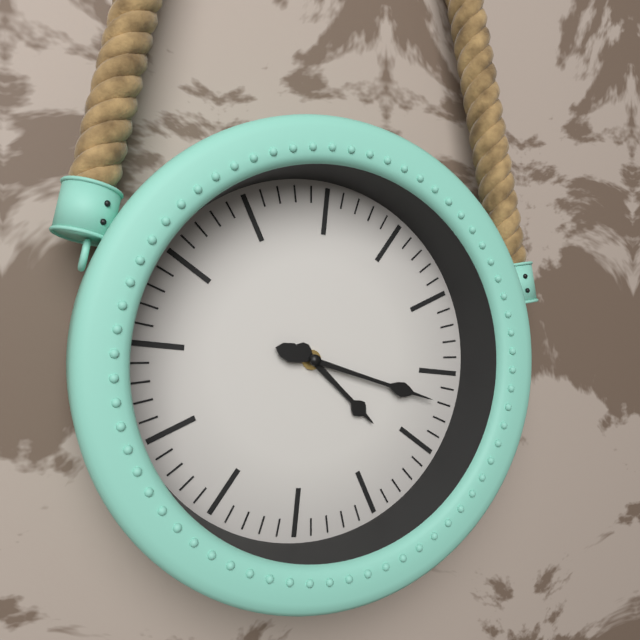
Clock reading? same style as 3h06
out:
4h17
